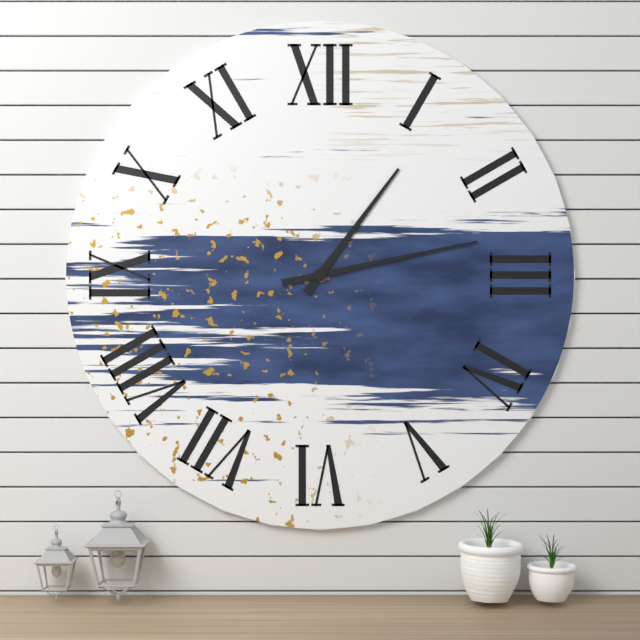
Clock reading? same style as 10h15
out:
1h13
